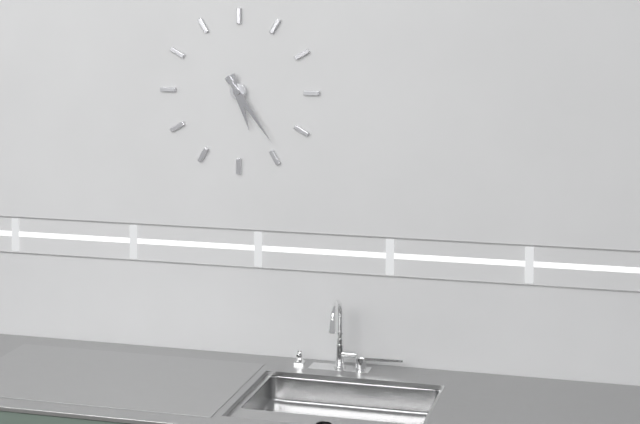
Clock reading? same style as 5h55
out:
5h24
